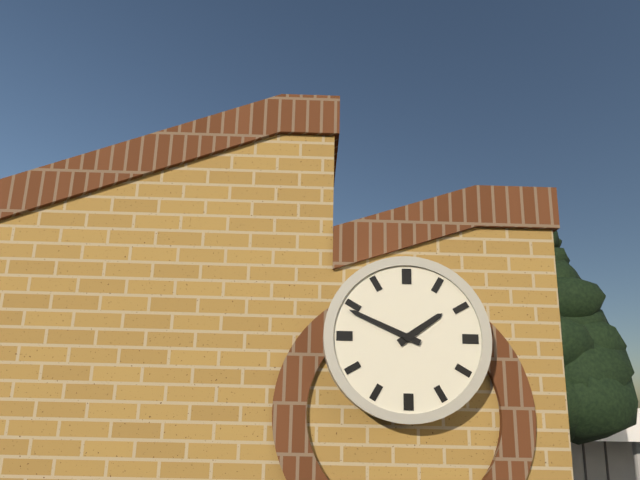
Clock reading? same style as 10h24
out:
1h49
